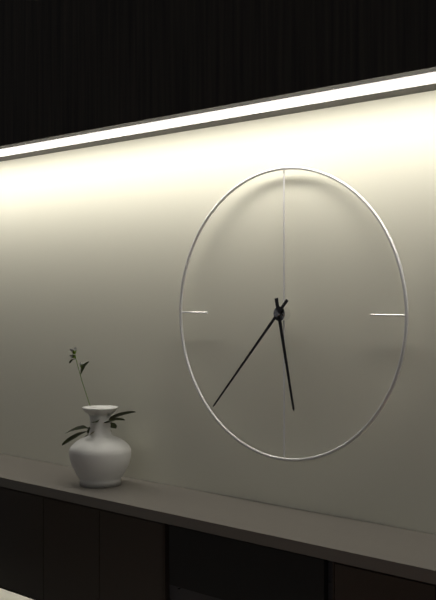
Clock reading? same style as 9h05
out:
5h37
